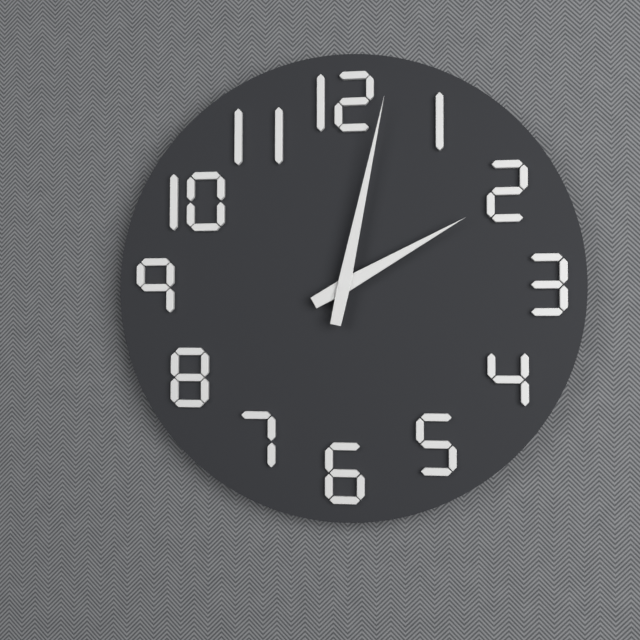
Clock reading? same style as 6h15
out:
2h02
